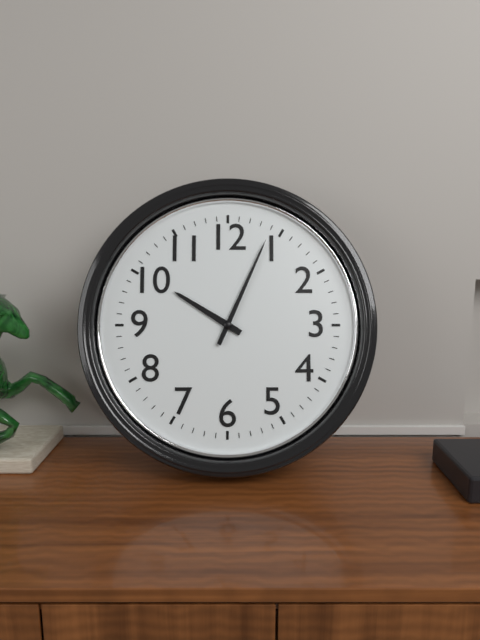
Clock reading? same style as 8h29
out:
10h04
